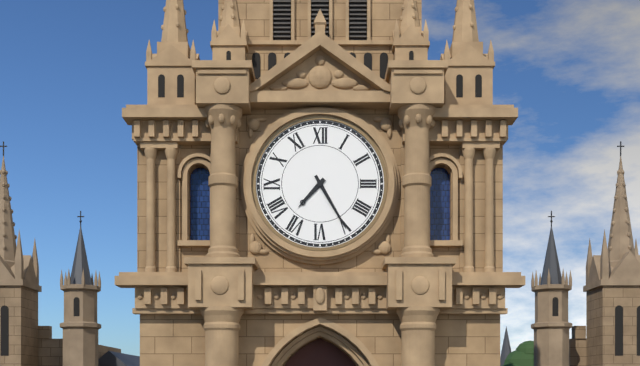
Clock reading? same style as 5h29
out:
7h25
